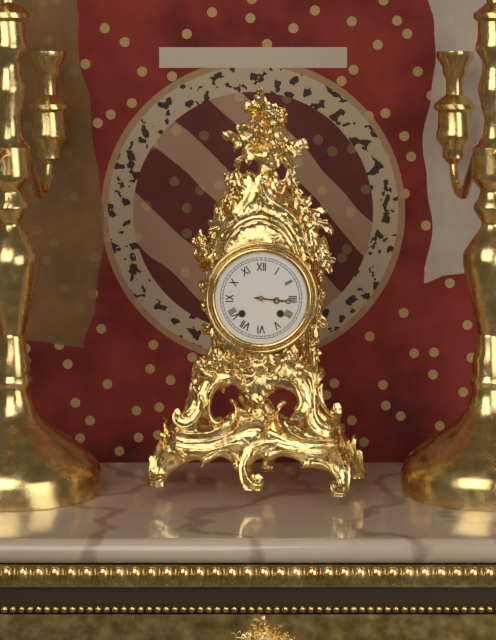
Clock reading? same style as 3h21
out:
3h16
